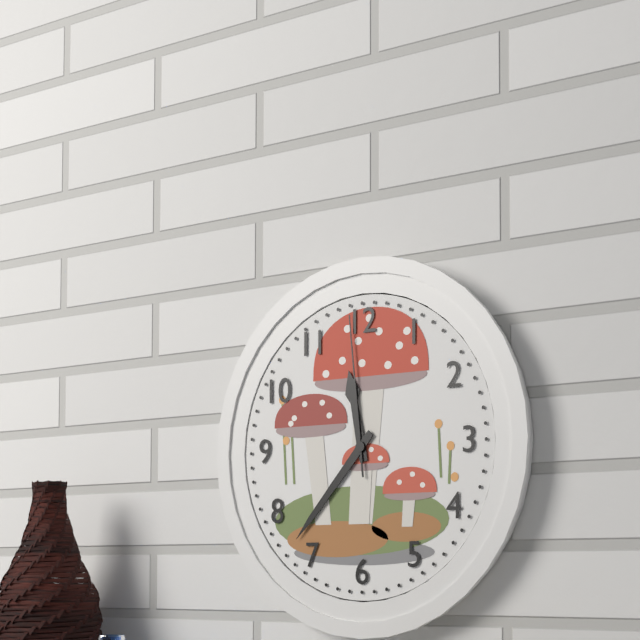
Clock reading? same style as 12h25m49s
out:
11h37m59s
